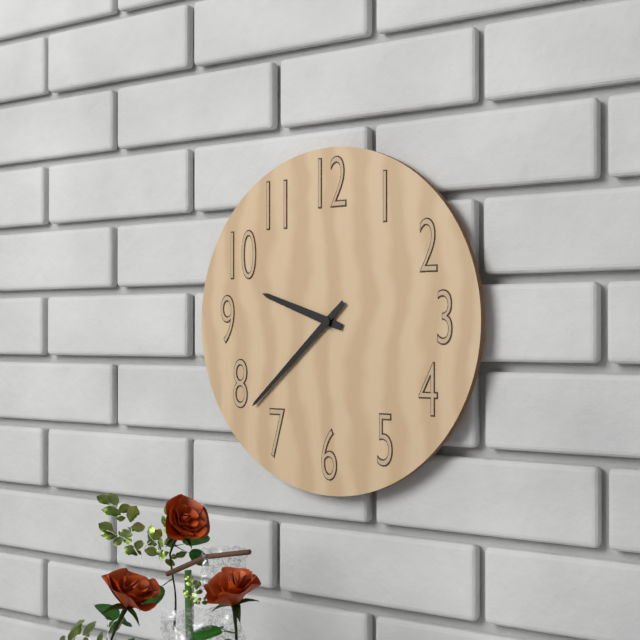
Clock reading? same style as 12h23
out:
9h38
